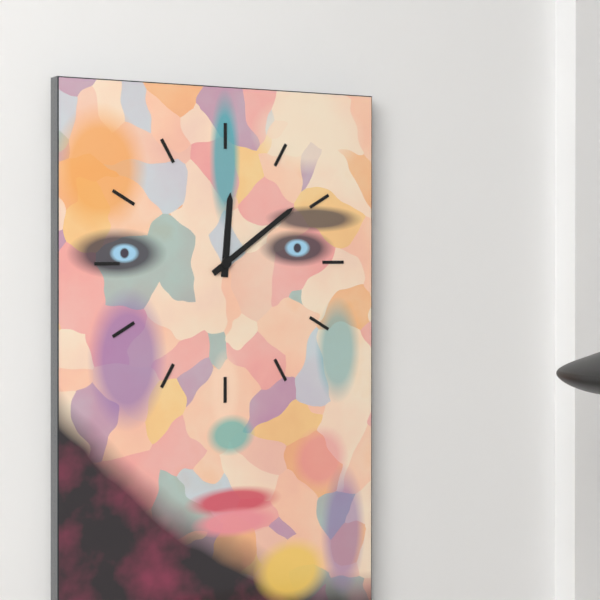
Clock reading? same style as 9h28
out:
12h09
